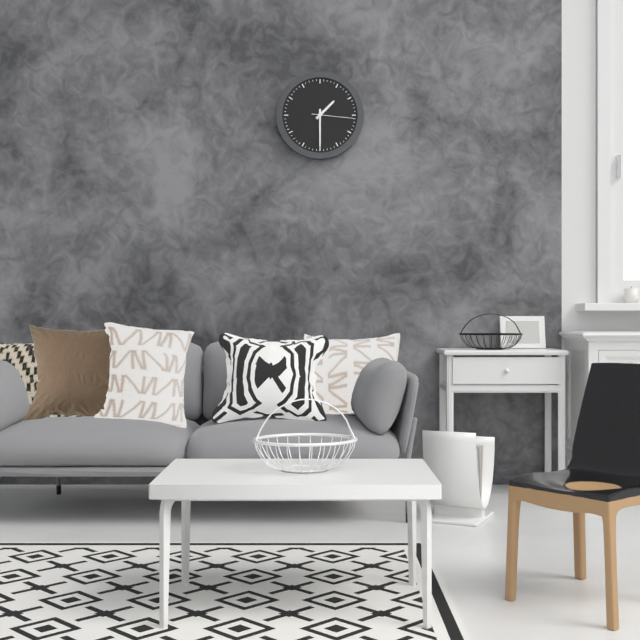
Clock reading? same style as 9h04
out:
1h30
